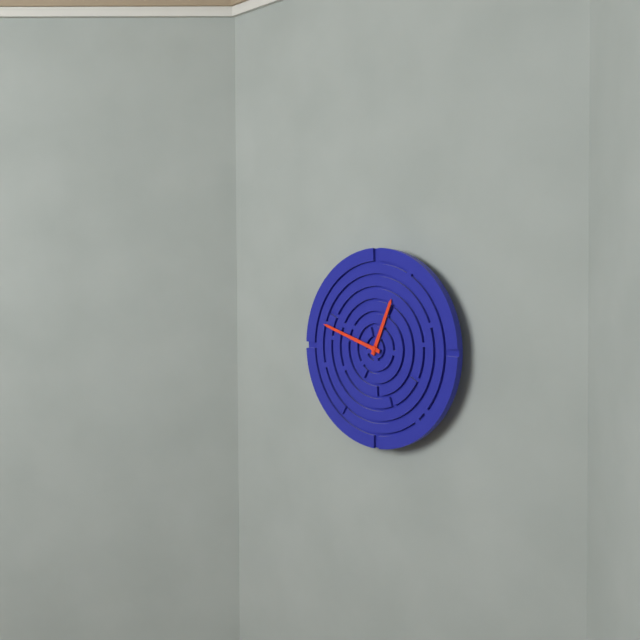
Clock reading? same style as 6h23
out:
12h48
